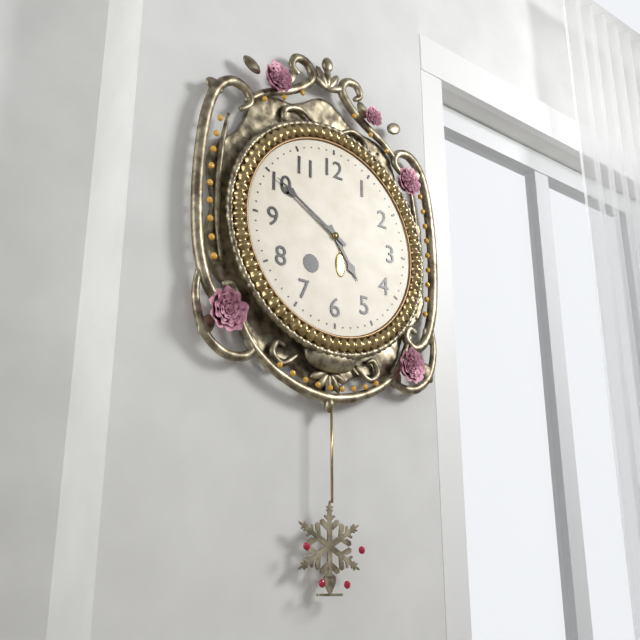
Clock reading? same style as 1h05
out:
4h50
